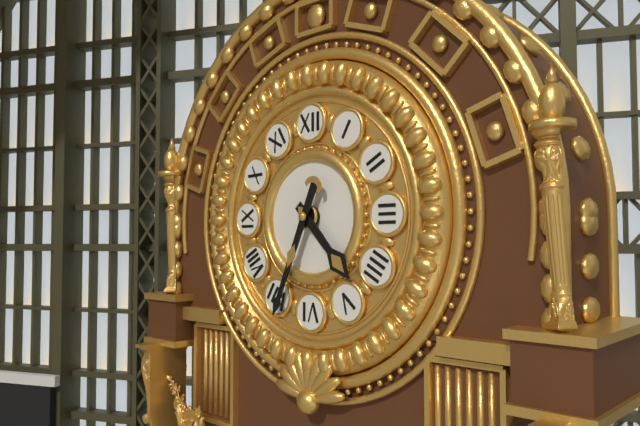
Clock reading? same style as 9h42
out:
4h34
